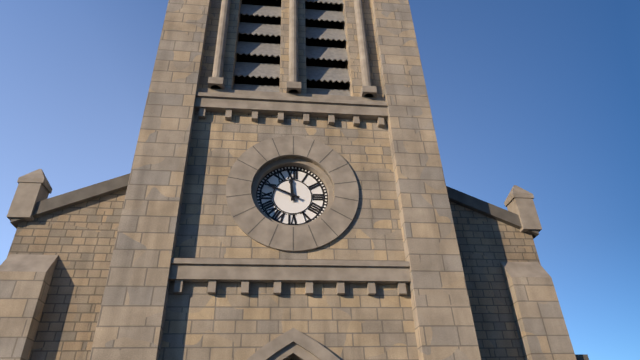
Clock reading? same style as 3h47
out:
11h49
